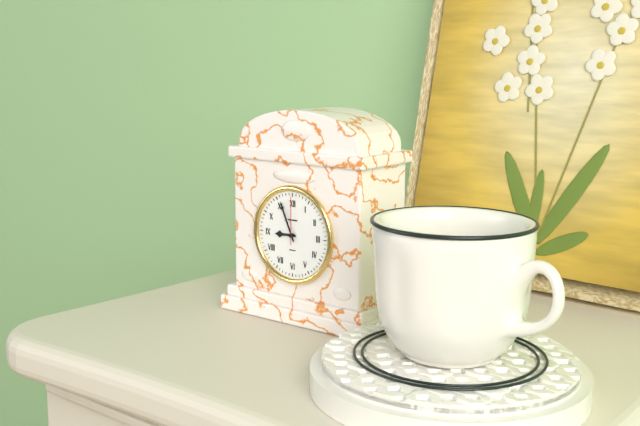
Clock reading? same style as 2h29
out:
8h56
